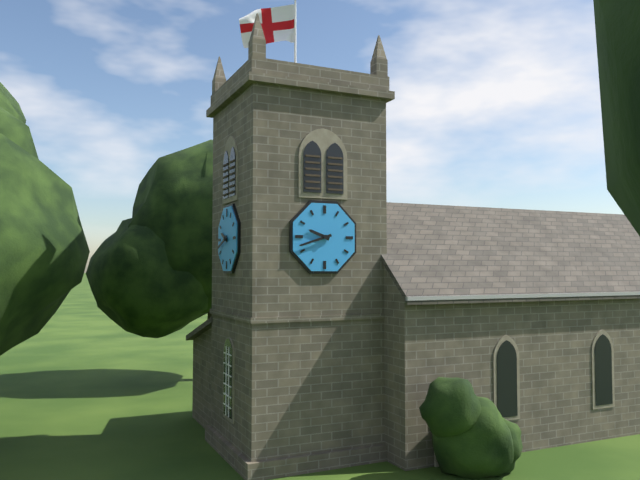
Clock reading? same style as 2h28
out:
9h42
